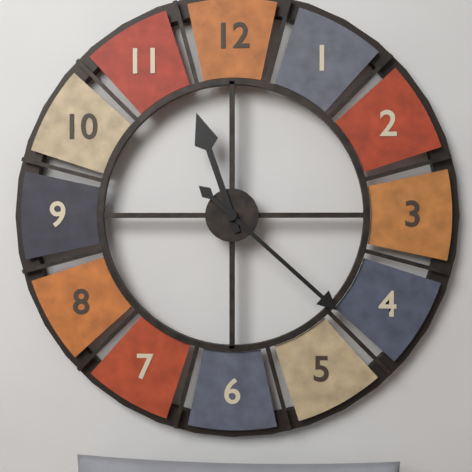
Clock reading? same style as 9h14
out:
11h22
